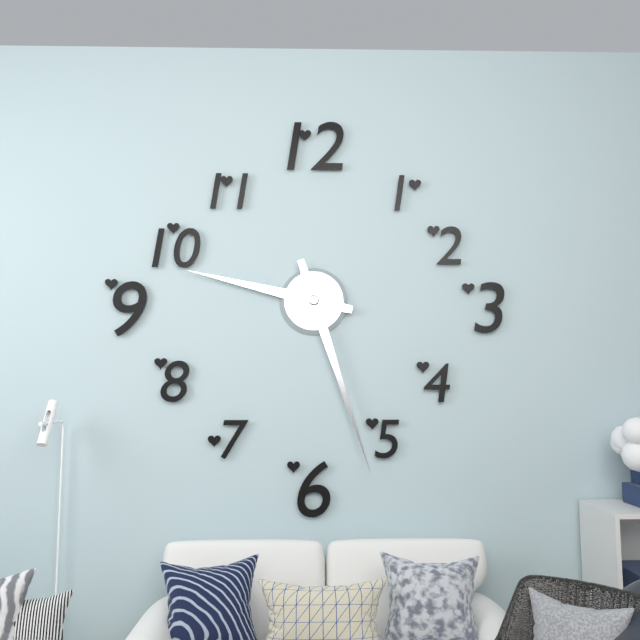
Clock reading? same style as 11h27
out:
9h27
